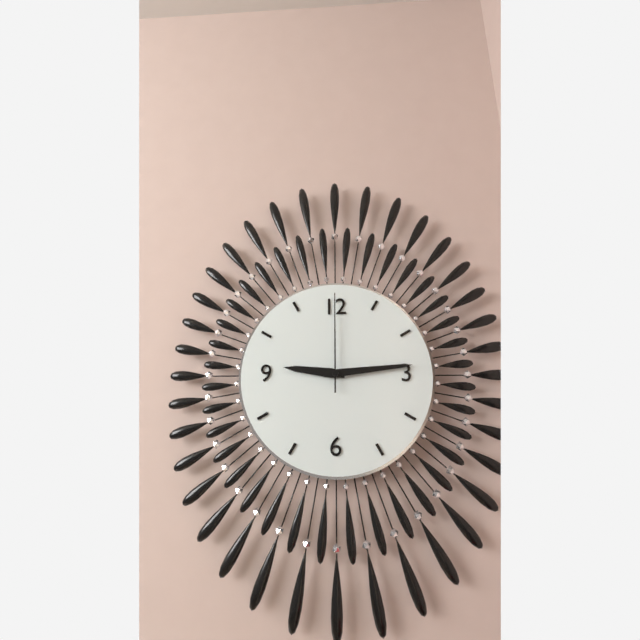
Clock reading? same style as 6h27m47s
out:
9h14m00s
